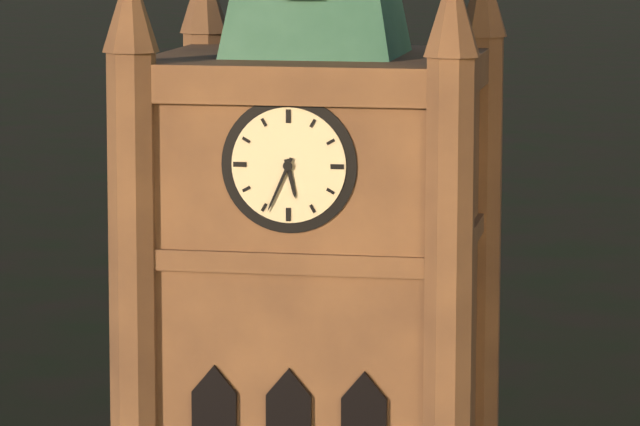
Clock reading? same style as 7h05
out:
5h34
